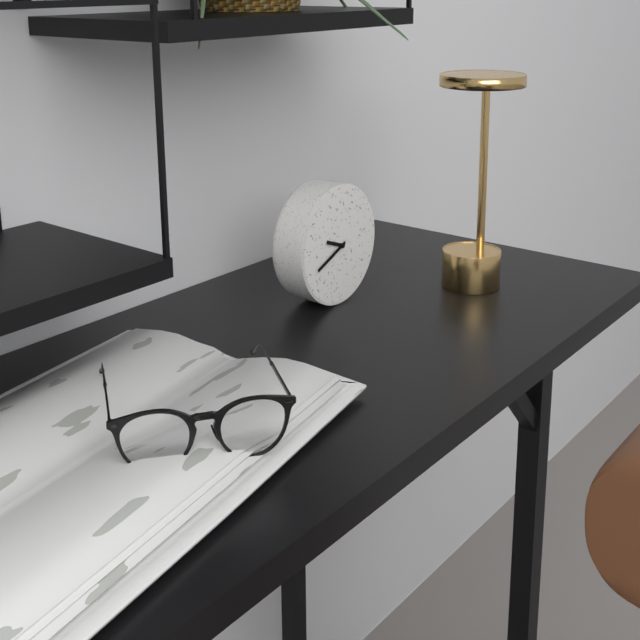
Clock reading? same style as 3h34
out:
9h41
